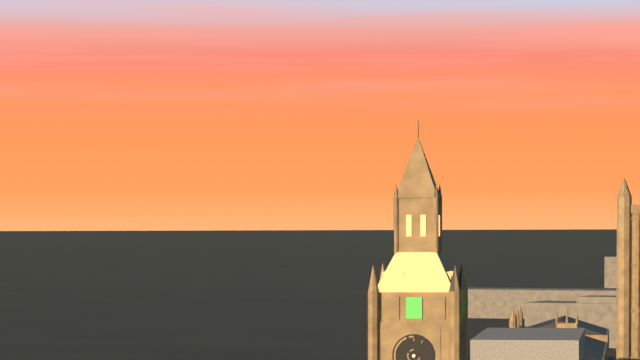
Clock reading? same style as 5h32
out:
10h16
